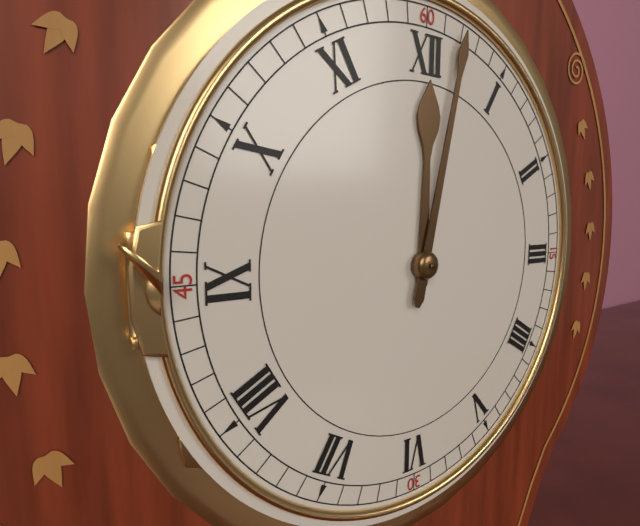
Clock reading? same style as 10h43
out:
12h02
